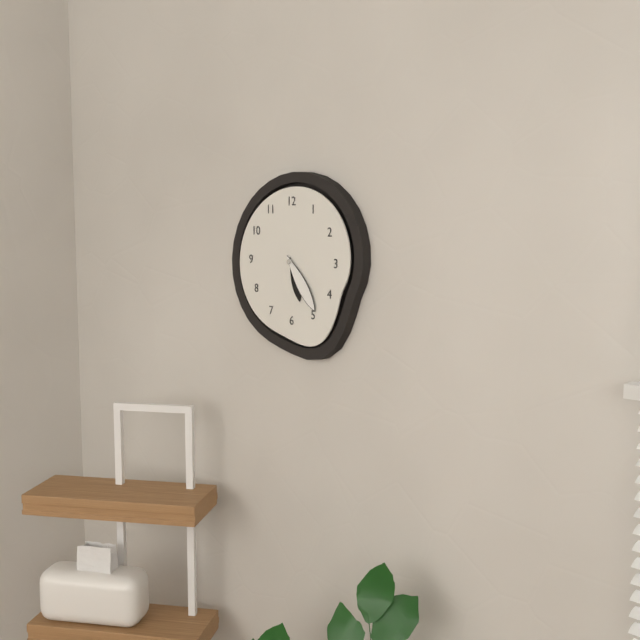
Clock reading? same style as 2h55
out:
5h24
